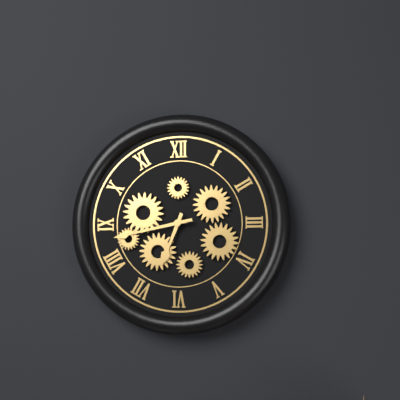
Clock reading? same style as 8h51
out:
6h43
